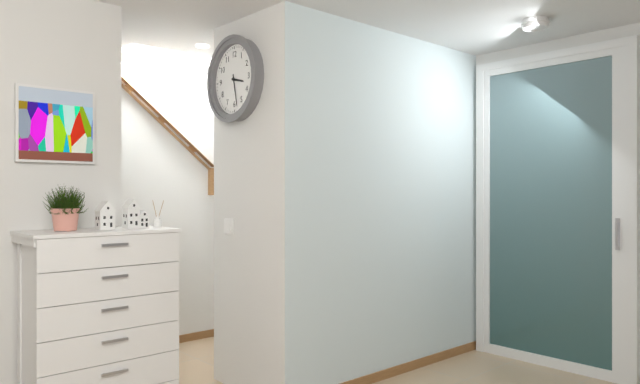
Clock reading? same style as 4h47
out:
3h28
